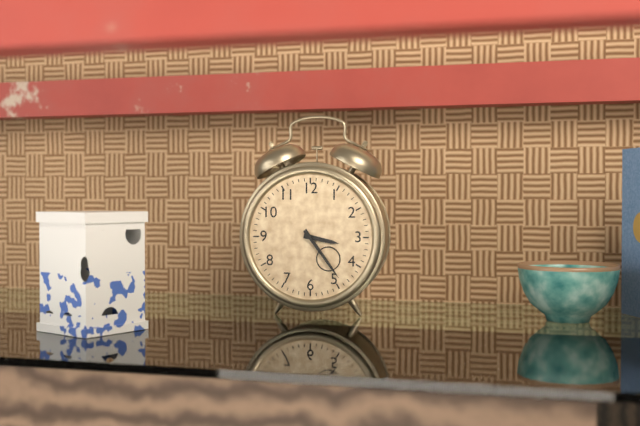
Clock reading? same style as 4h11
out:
3h24
